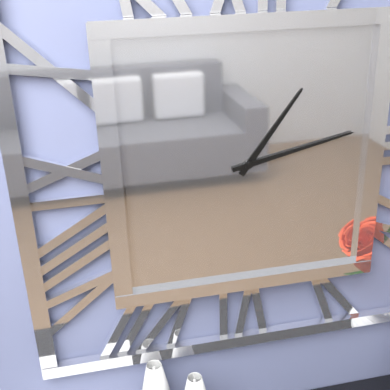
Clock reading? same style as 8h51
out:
1h13
